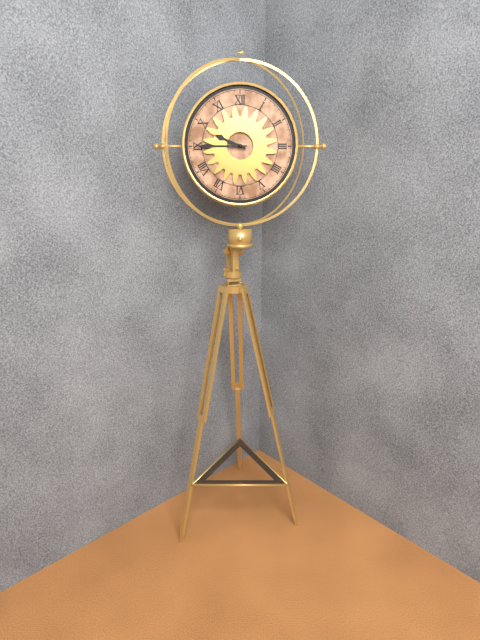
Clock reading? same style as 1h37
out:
9h45
